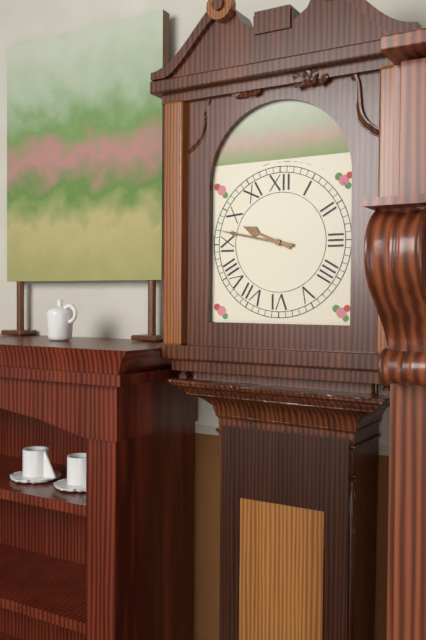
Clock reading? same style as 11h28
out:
9h47
